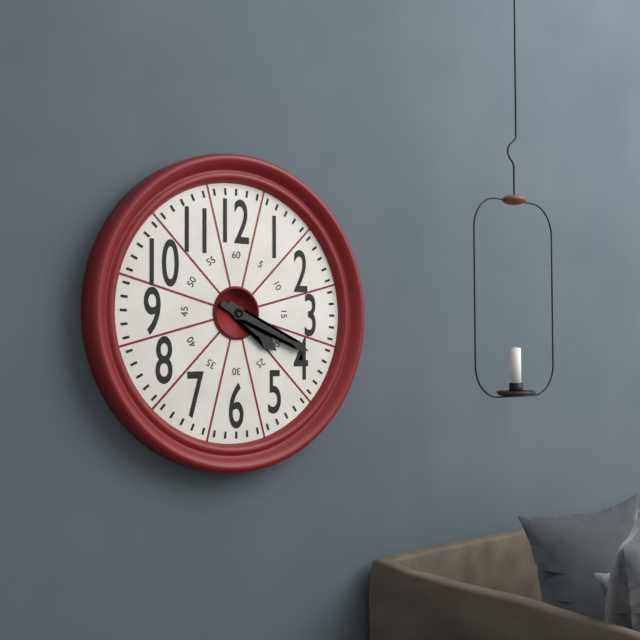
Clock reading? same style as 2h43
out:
4h19
